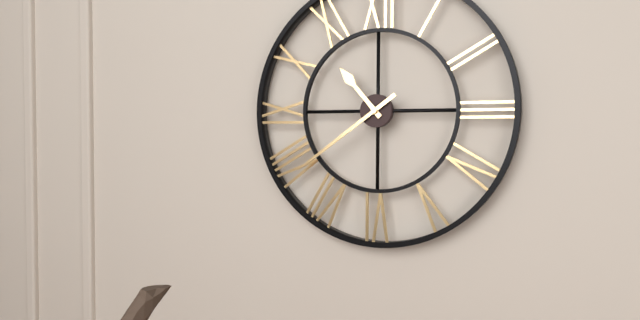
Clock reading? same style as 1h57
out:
10h39
